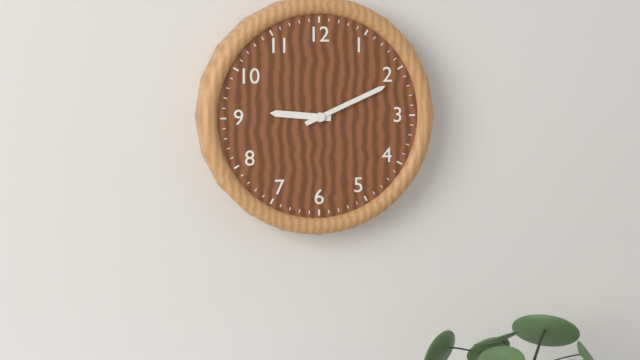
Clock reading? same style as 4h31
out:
9h11
